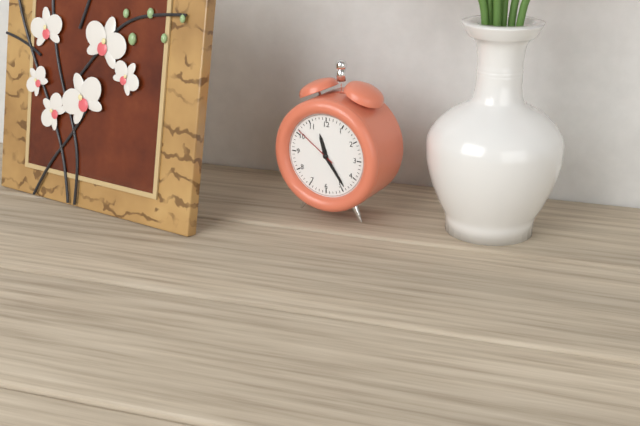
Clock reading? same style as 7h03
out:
11h24
